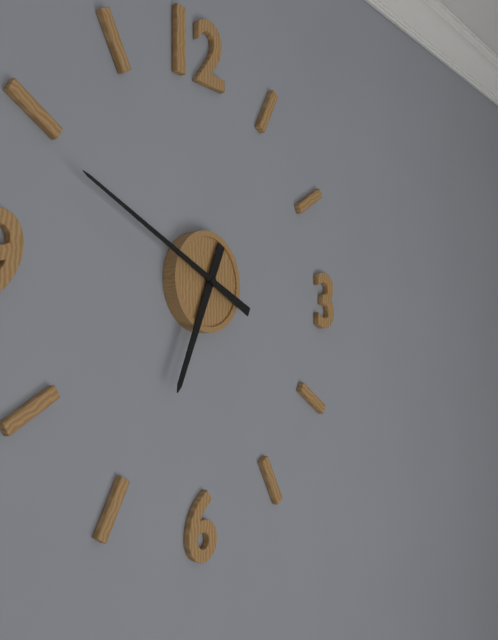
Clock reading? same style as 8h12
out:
6h49
